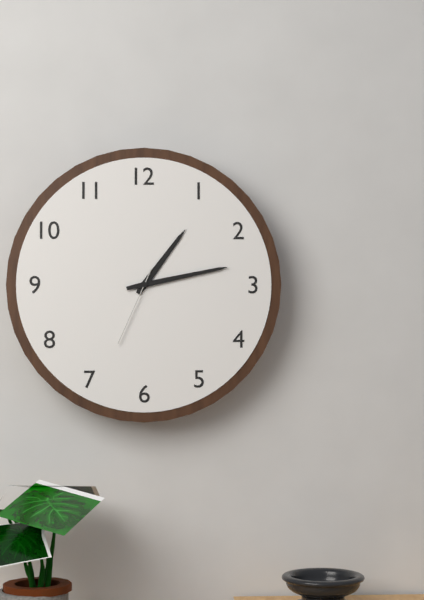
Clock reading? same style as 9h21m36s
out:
1h13m34s
